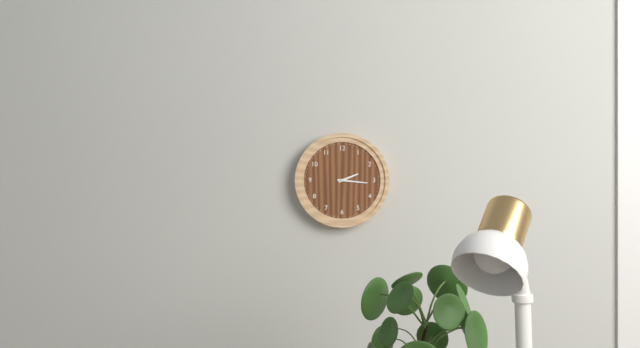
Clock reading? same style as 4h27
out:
2h16
